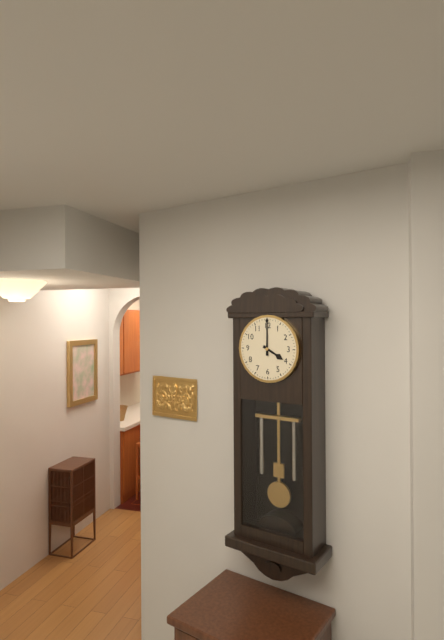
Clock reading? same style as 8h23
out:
4h00
